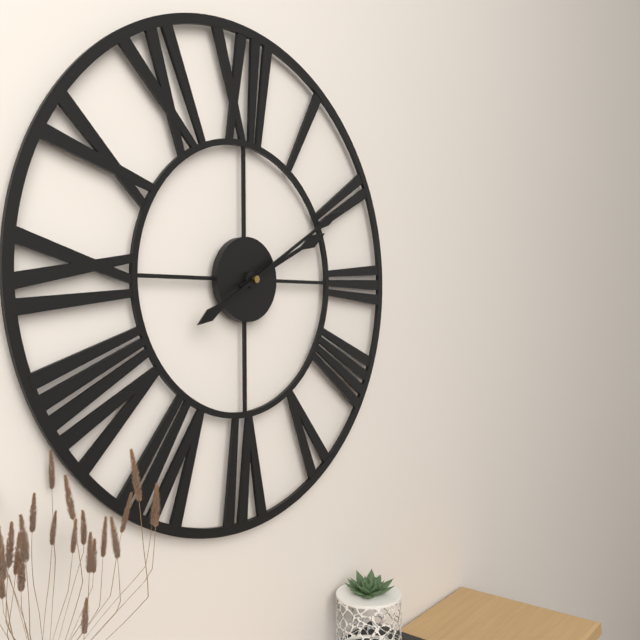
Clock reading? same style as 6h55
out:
2h10
